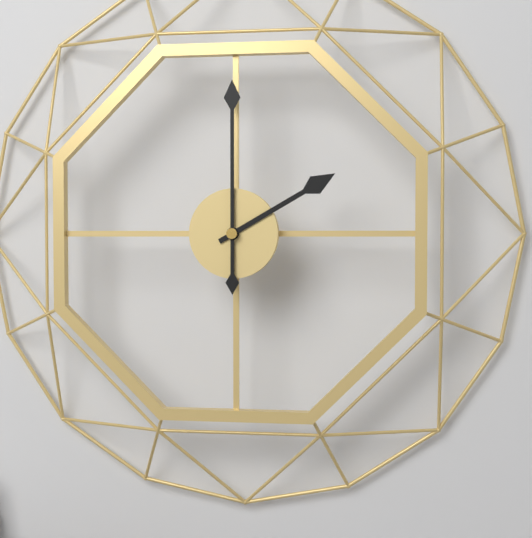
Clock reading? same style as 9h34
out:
2h00
